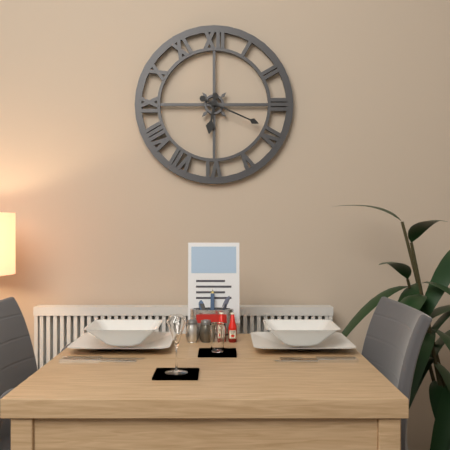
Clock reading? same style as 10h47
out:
6h19
